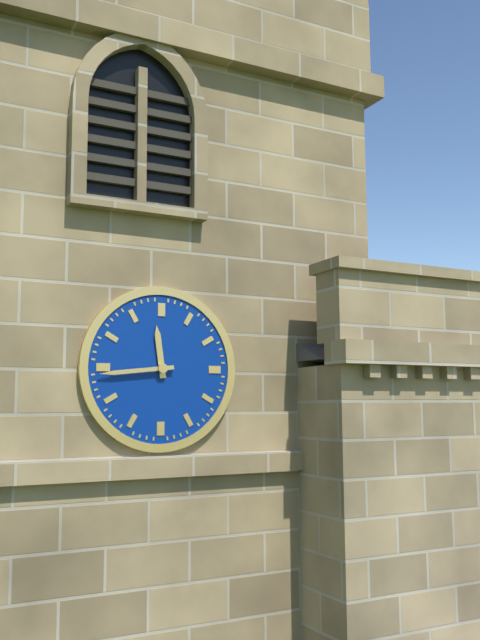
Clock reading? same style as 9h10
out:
11h44
